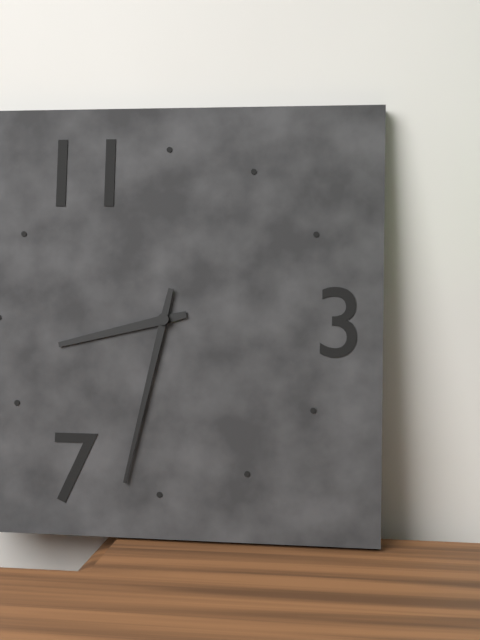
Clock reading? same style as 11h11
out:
8h32
